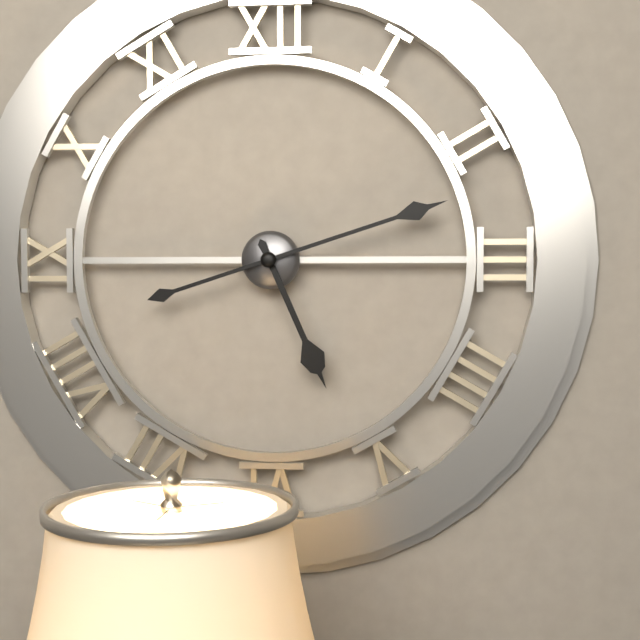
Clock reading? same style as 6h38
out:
5h12
